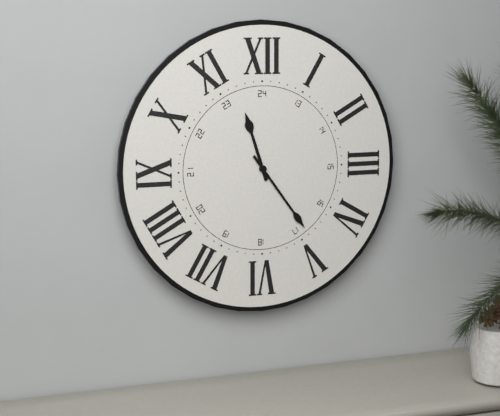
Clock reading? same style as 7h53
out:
11h24
